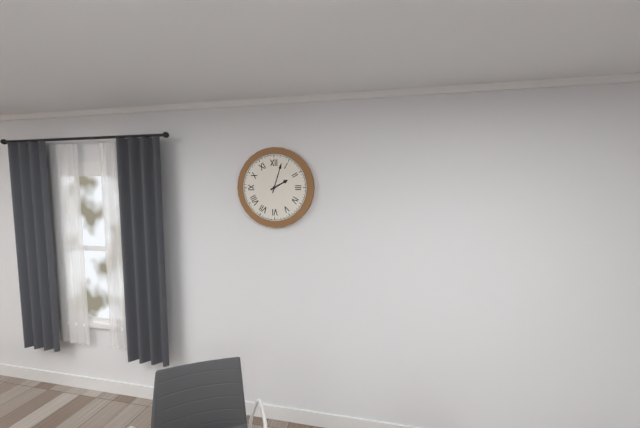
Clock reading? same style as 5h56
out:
2h03
